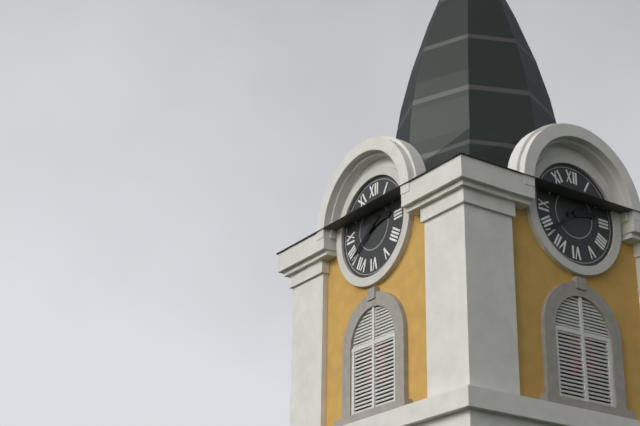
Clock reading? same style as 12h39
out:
2h39
